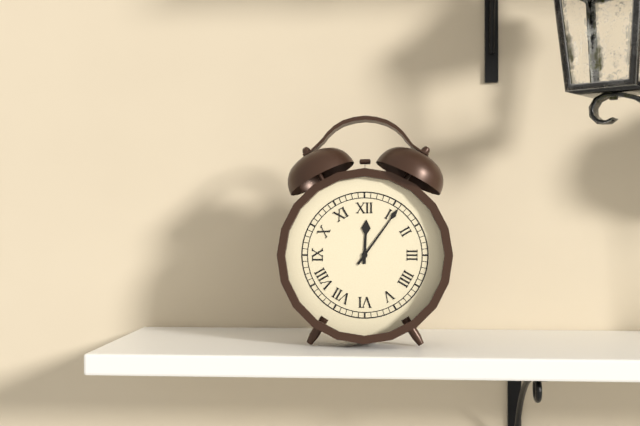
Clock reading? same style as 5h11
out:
12h06
